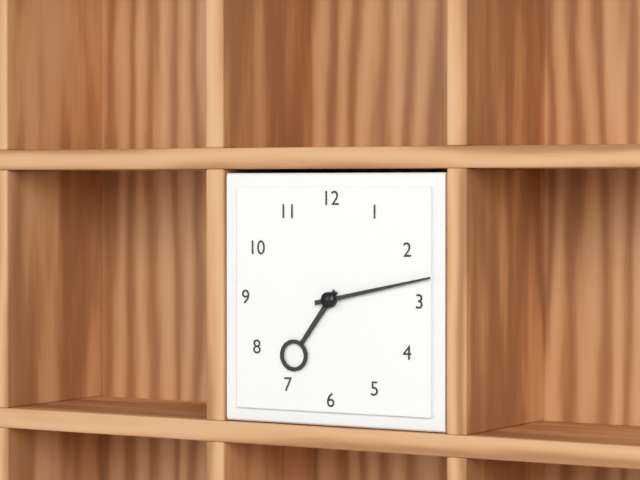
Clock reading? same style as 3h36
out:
7h13
